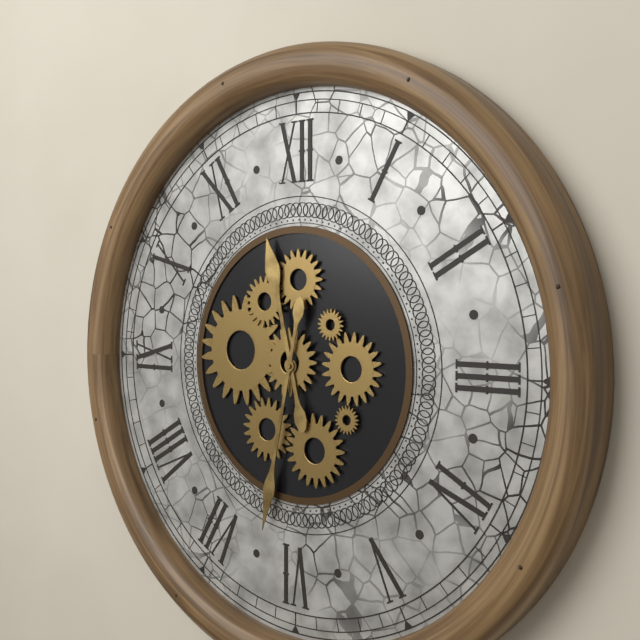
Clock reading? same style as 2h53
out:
11h32
